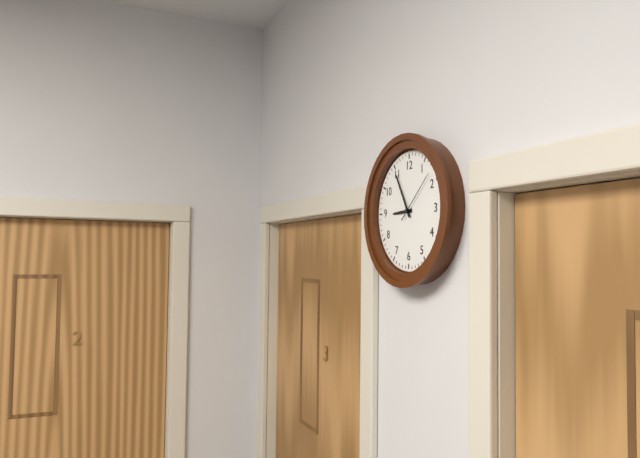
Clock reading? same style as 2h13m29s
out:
8h55m08s
